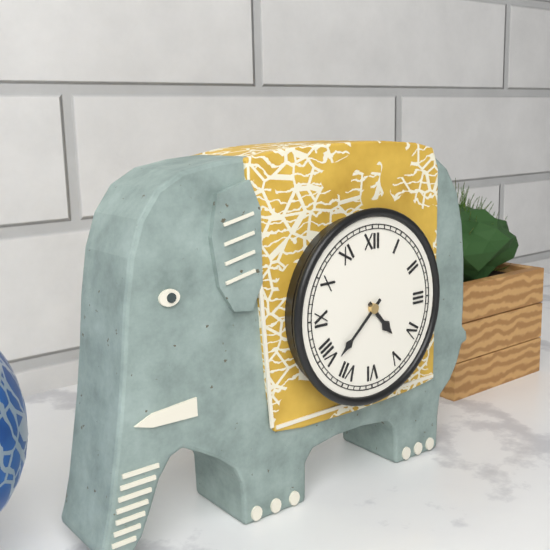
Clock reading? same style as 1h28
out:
4h38
